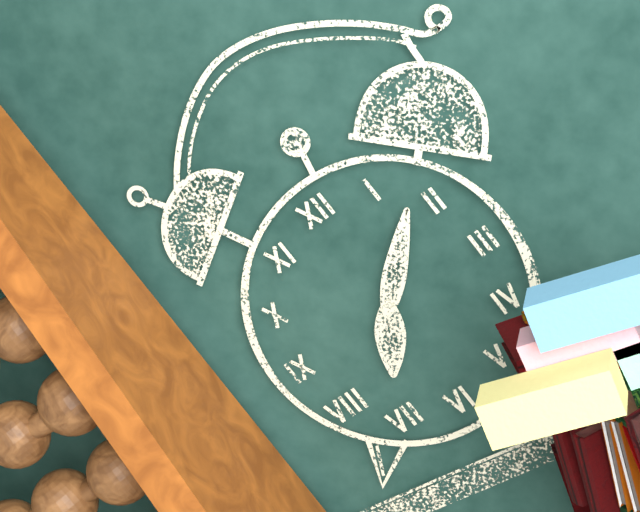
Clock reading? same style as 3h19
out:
7h08
